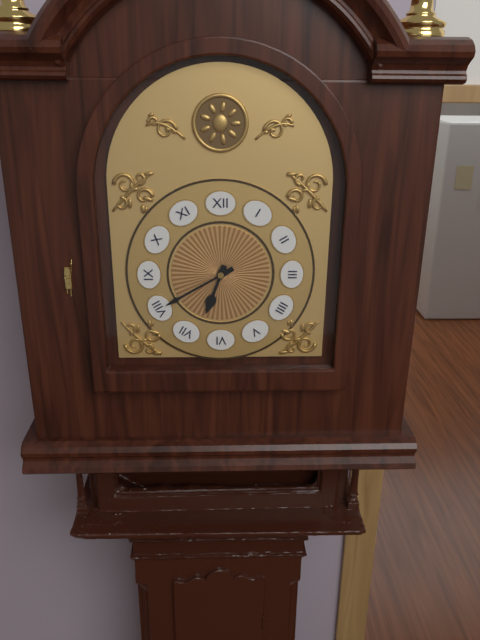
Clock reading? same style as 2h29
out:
6h40
